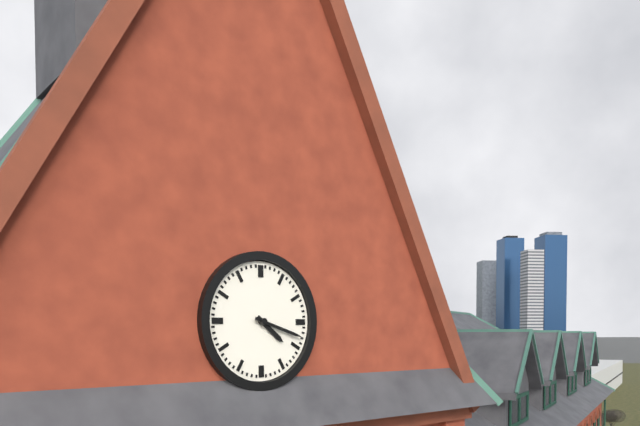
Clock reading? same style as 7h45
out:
4h18
